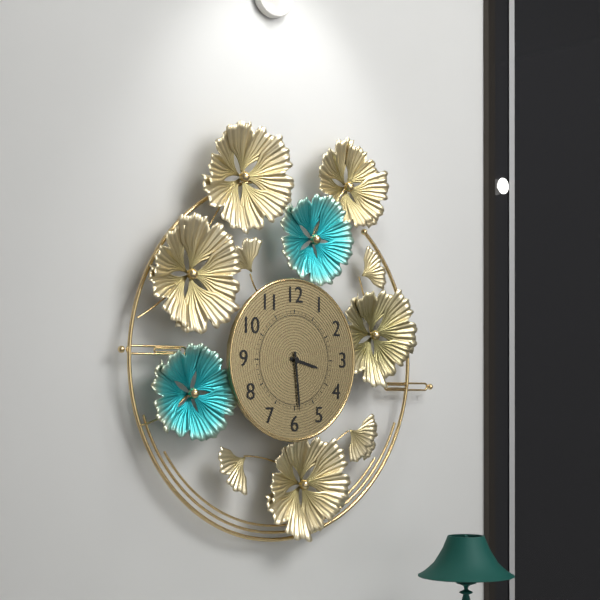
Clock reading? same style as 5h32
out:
3h29
